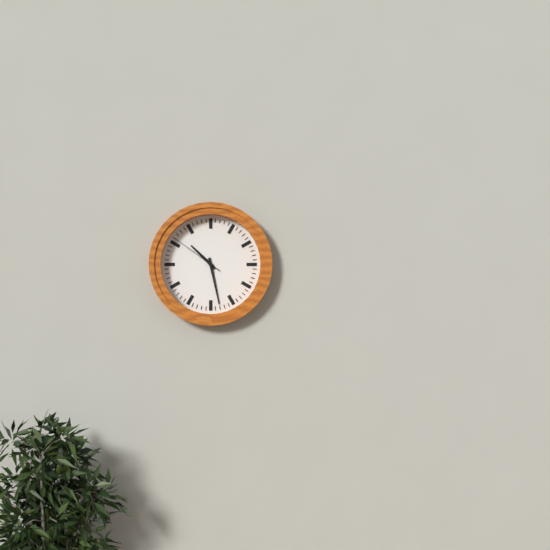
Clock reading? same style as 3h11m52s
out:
10h28m51s
